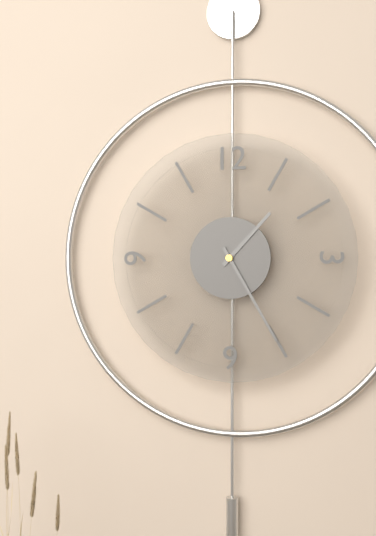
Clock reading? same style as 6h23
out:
1h25
